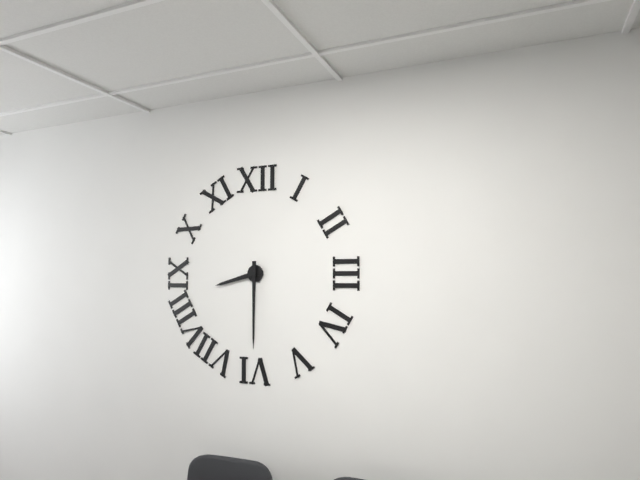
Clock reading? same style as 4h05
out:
8h30
